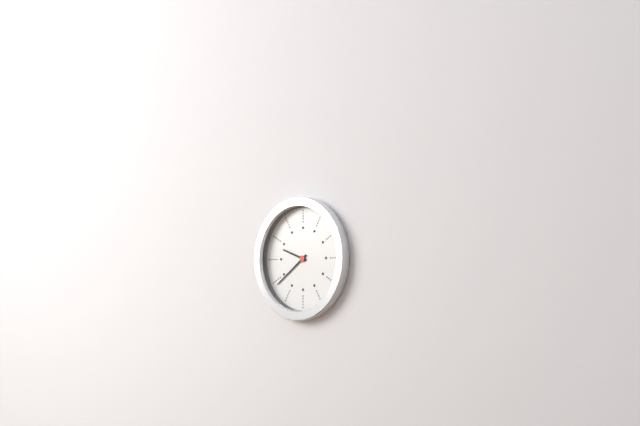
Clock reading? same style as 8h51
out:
9h39
